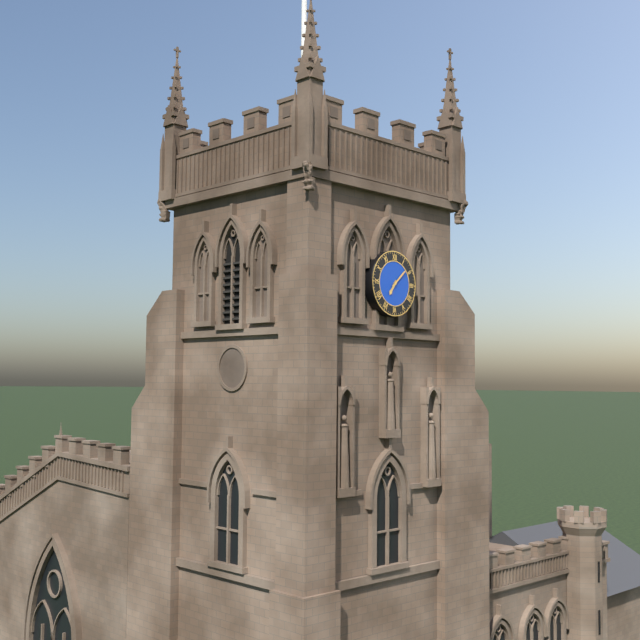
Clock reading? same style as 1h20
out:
7h08
